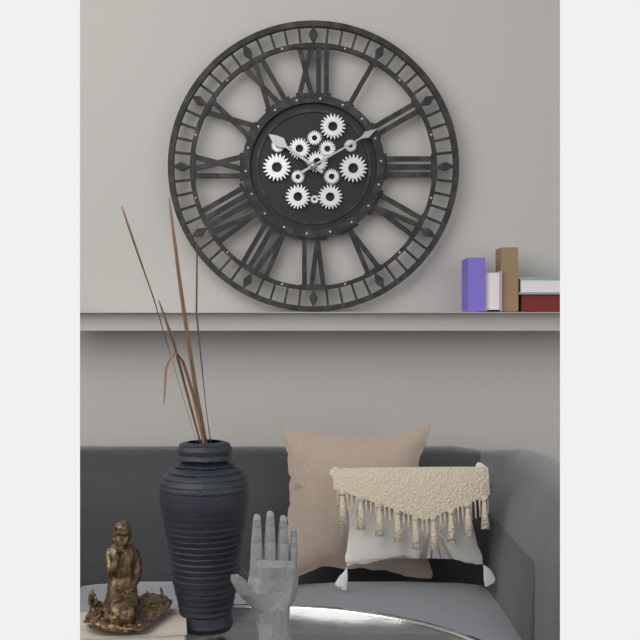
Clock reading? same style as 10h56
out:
10h10
